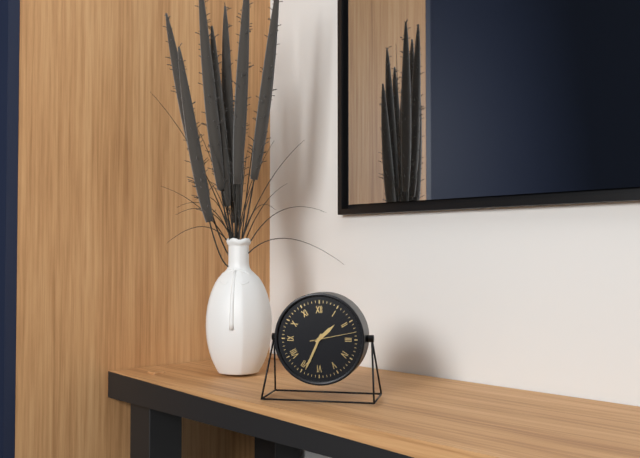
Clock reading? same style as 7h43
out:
1h34
